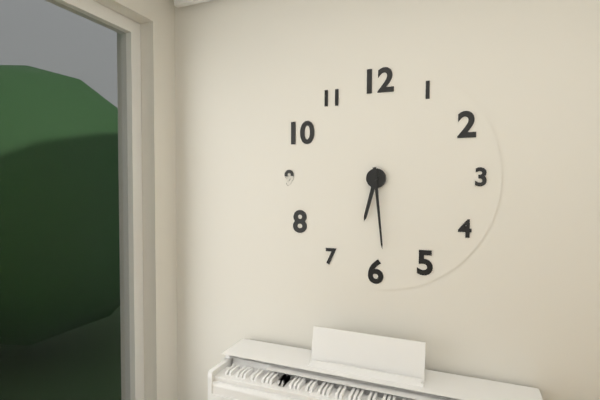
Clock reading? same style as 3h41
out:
6h29
